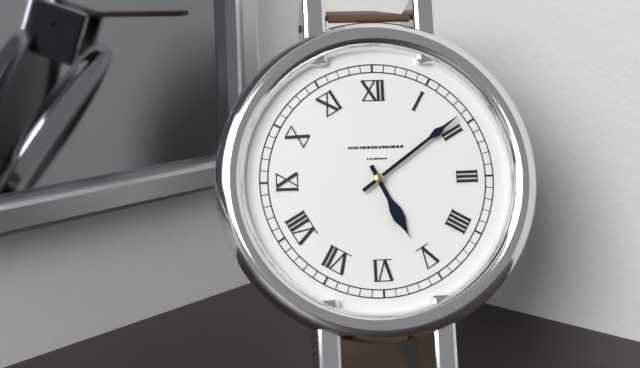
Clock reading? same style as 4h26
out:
5h09
